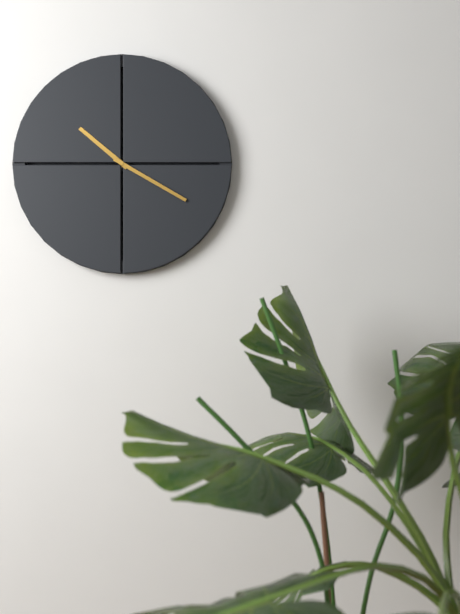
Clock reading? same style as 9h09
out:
10h20
